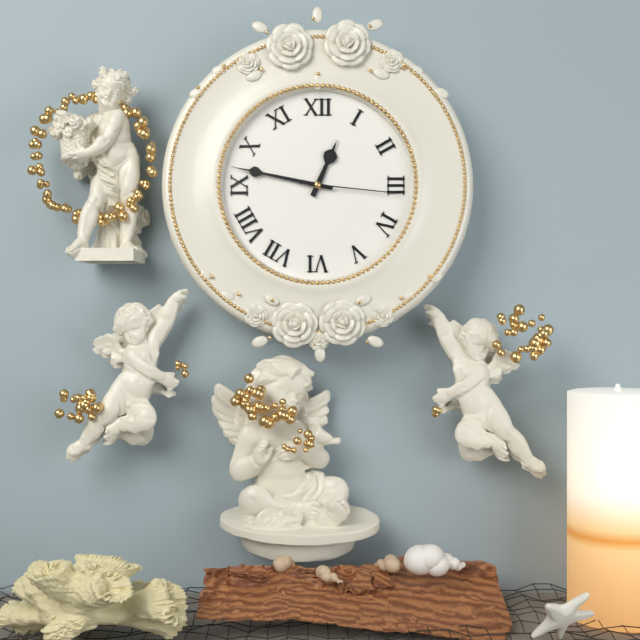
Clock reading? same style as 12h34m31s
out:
12h47m16s
